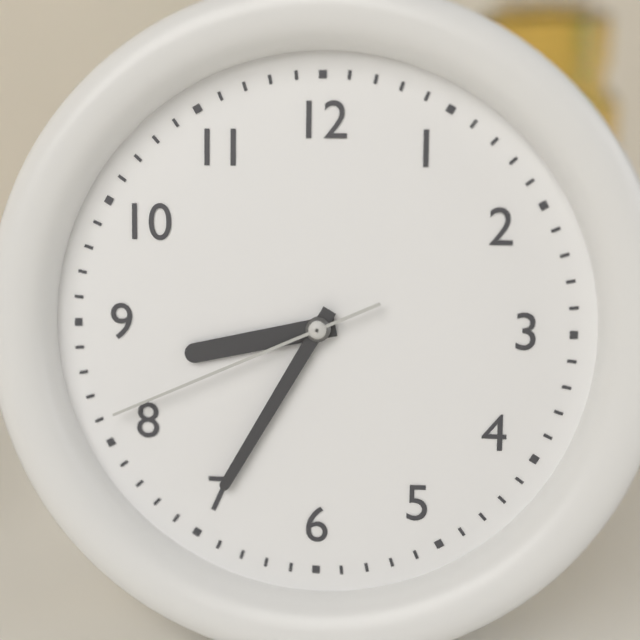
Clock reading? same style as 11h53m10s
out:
8h35m41s
